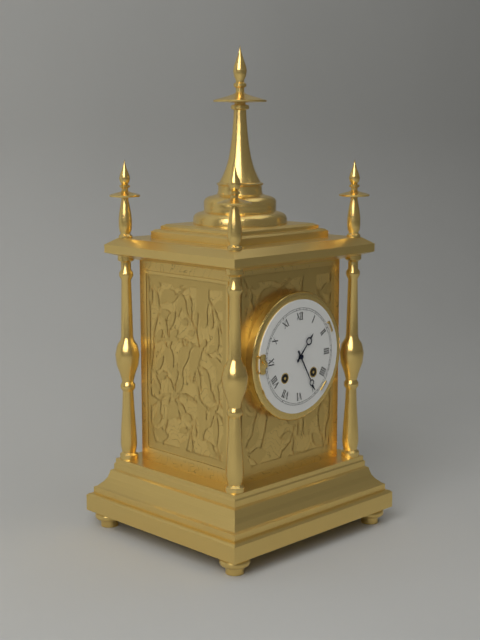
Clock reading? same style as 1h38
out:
1h25
